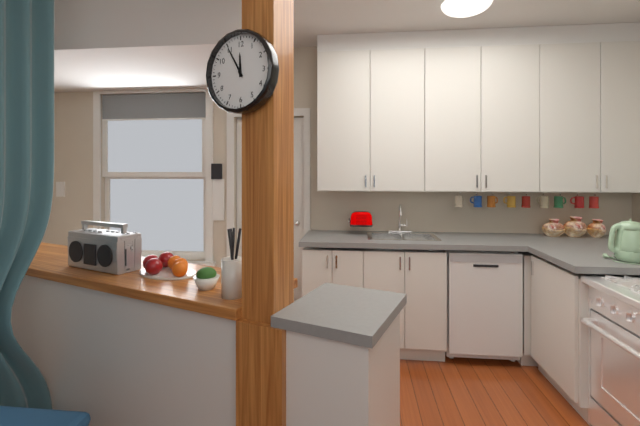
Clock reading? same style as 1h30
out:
11h55
